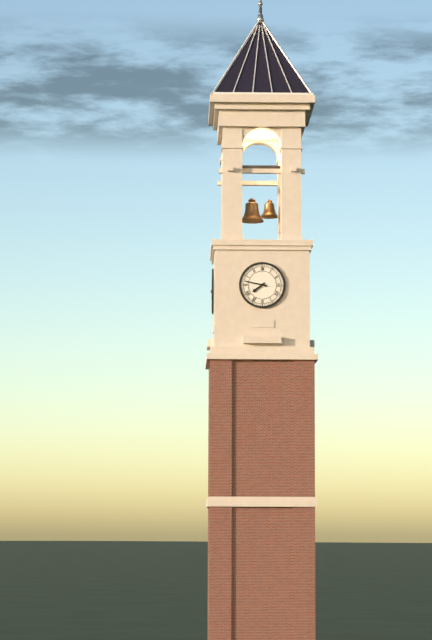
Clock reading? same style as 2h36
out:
7h47
